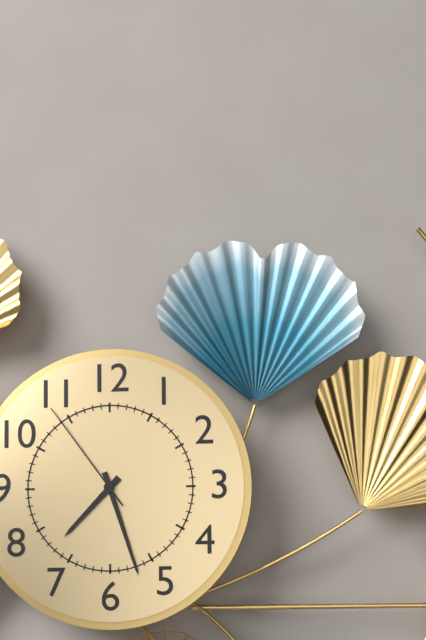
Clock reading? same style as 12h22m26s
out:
7h27m54s
